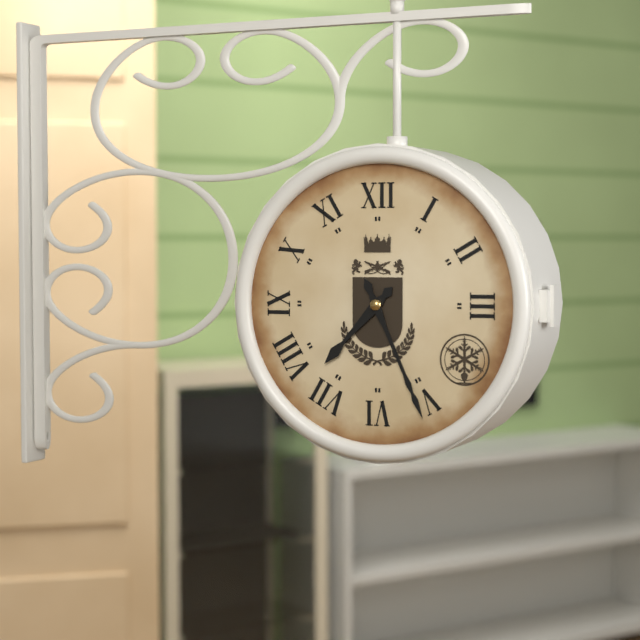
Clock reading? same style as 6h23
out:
7h26
